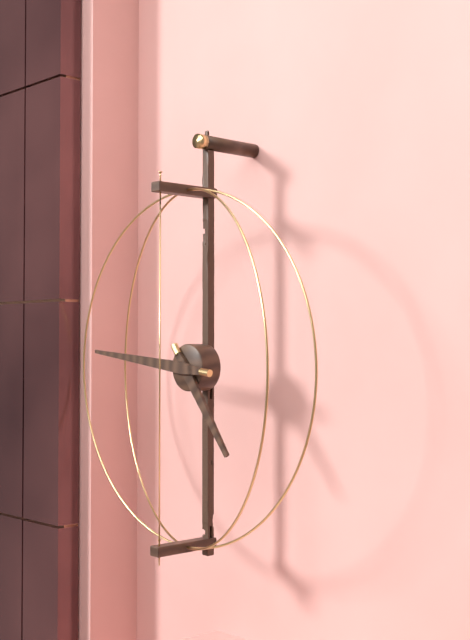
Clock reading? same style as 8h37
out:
4h46
